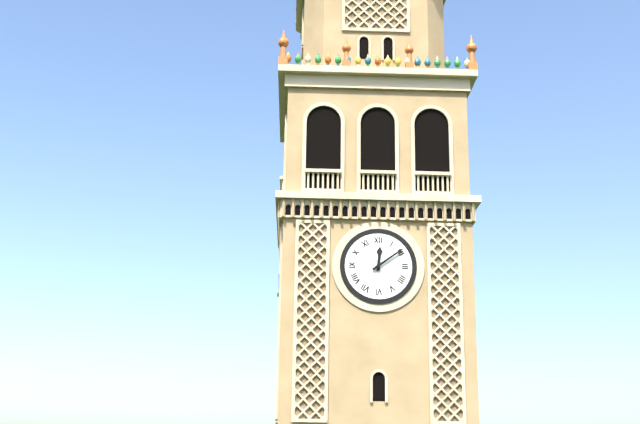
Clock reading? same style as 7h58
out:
12h09
